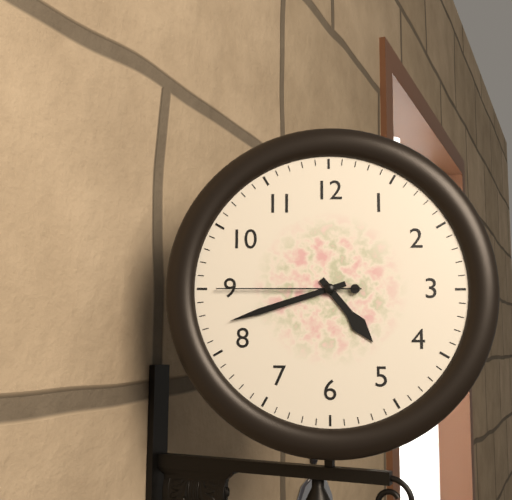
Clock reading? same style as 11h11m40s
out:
4h42m45s
